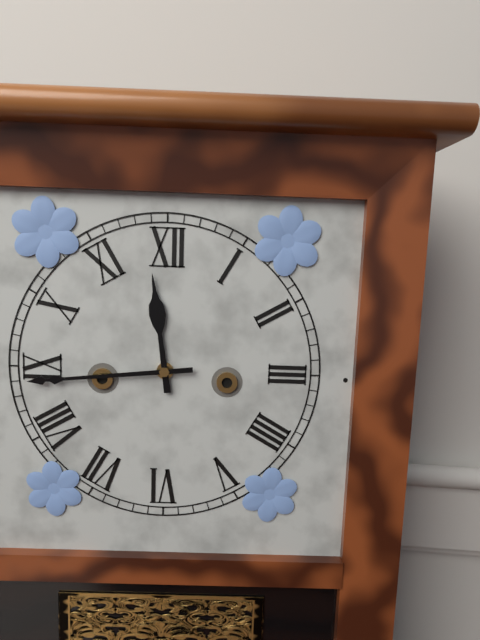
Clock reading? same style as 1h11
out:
11h44
